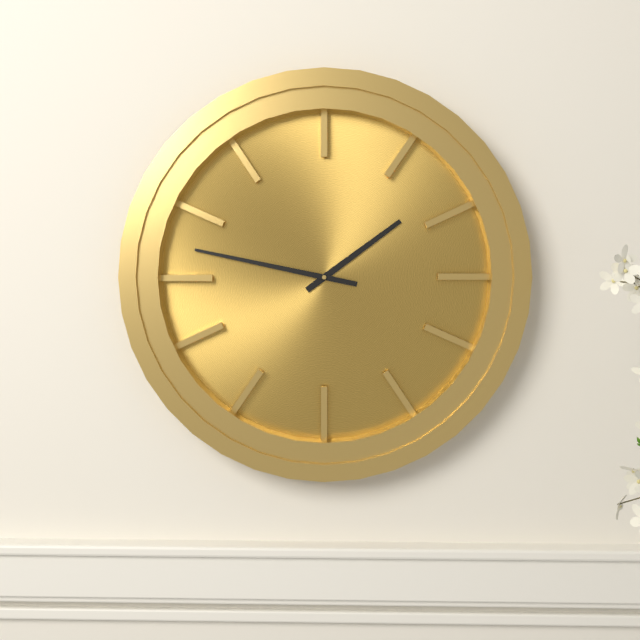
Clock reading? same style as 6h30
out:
1h47
